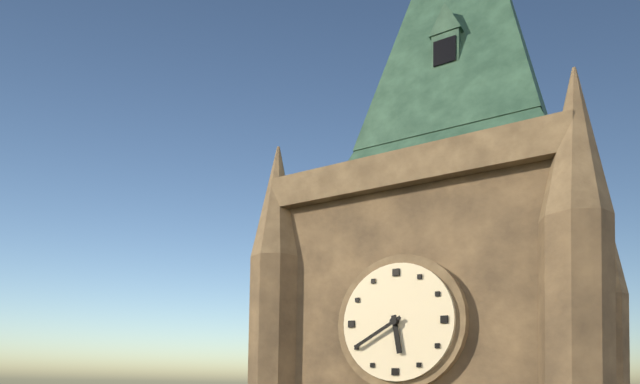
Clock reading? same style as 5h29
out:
5h40
